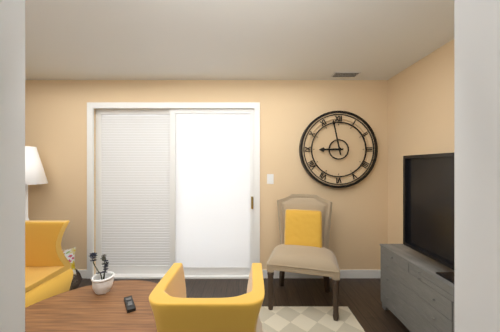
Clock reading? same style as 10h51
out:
8h58
